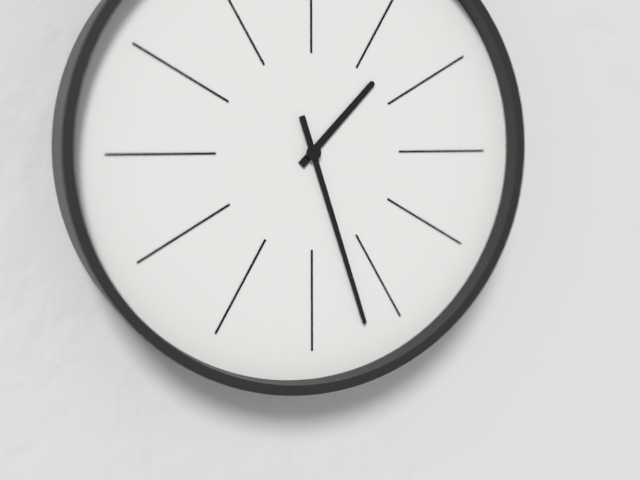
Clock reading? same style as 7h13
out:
1h27
